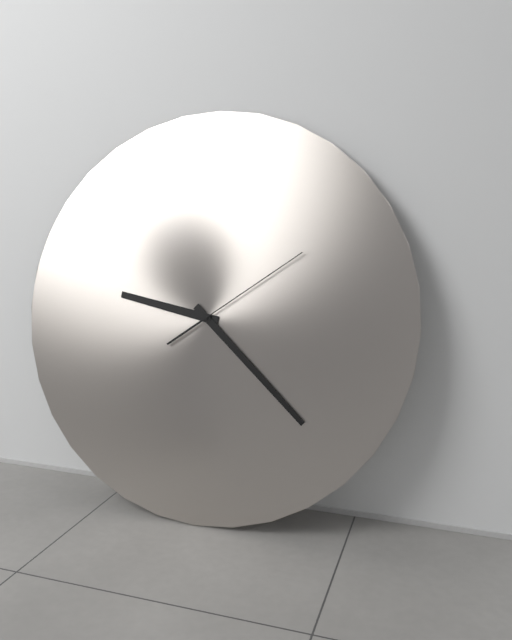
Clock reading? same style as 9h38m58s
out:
9h22m09s
